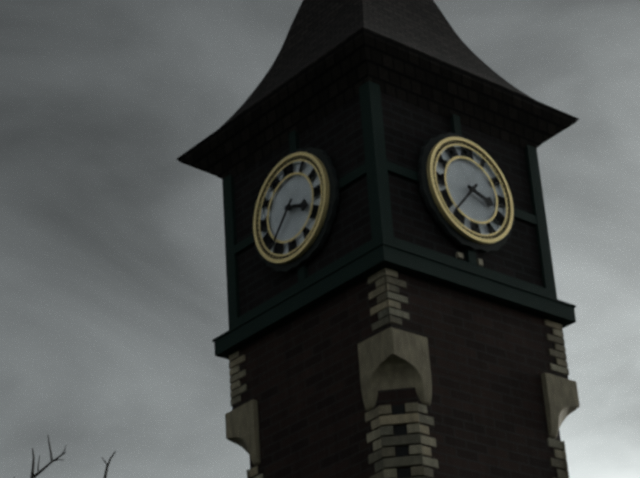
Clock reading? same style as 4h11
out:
3h37
